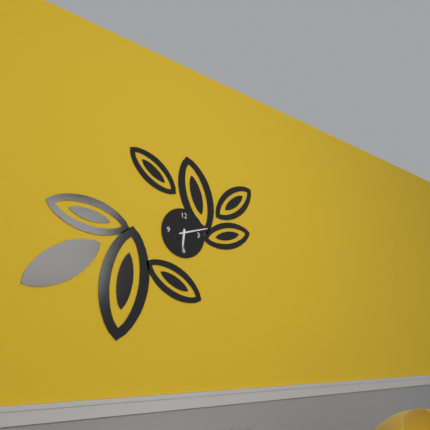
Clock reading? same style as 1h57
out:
6h12
